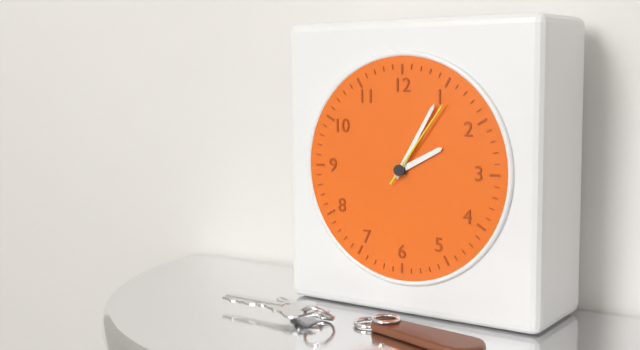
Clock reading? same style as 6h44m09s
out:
2h05m06s
